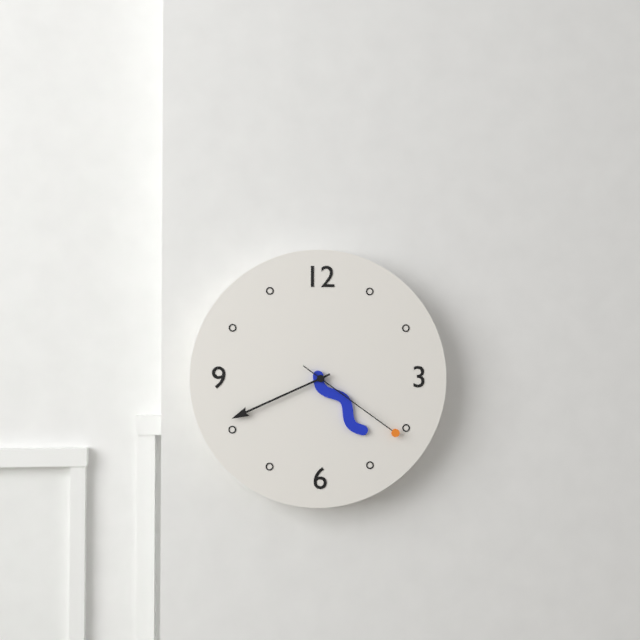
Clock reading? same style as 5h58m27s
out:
4h41m21s
